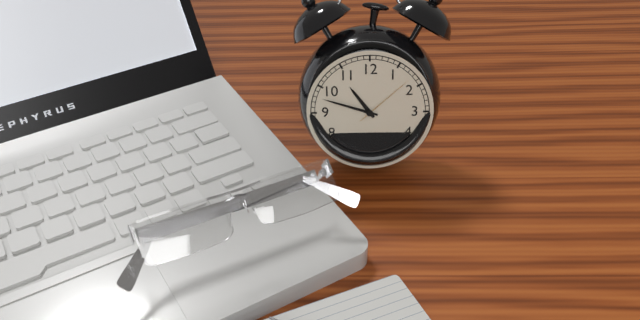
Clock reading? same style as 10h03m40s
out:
10h48m08s
